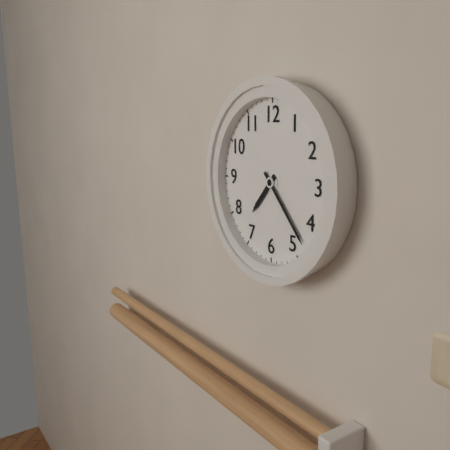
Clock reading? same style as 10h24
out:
7h23
